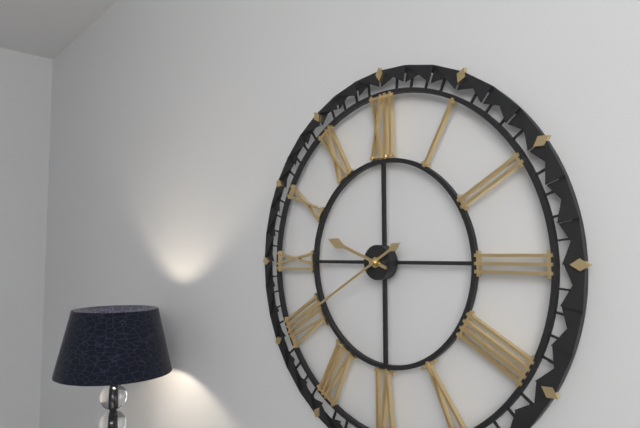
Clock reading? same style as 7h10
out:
9h40
